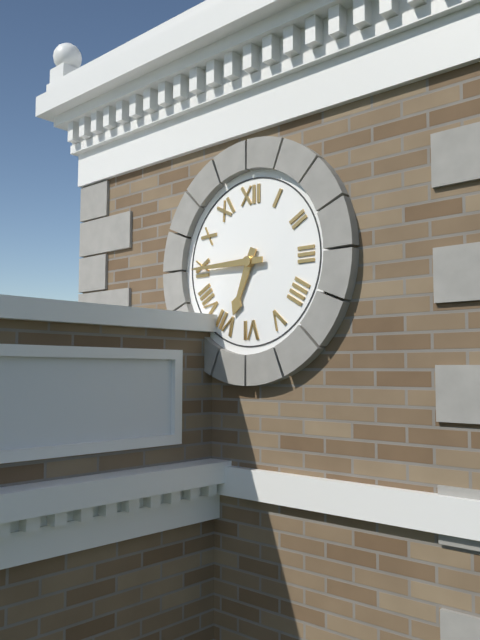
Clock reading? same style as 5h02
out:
6h45
